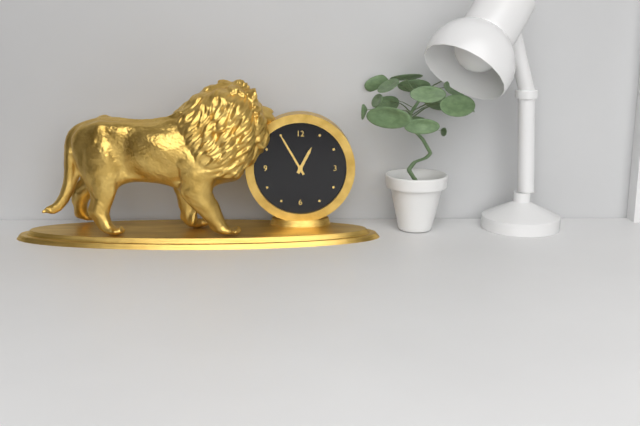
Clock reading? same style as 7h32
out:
12h55
